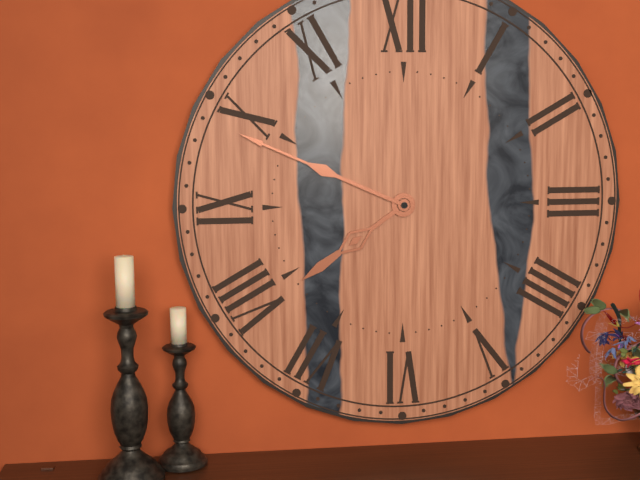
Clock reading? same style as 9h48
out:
7h49
